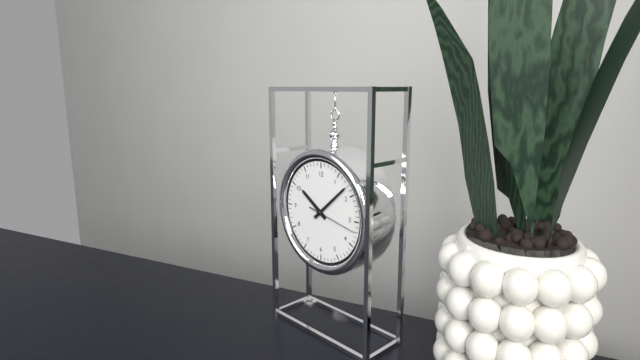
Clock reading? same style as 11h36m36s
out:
10h08m17s
